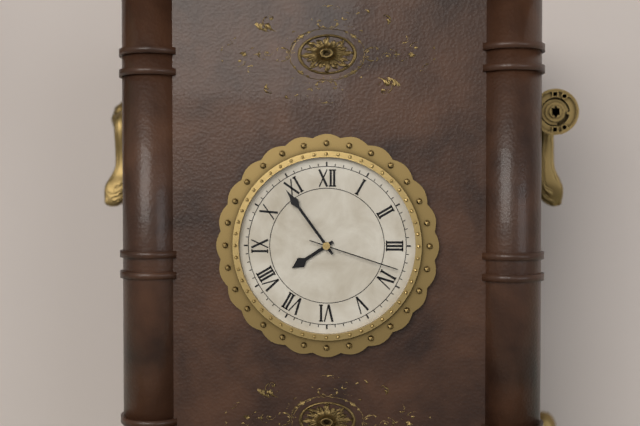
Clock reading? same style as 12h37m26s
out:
7h54m18s
